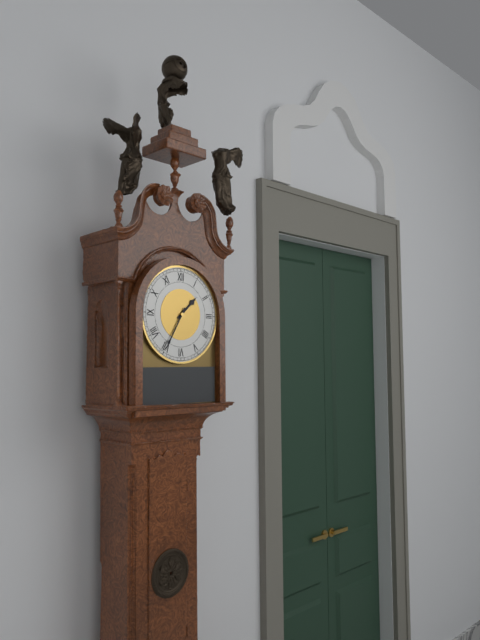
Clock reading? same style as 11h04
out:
1h35
